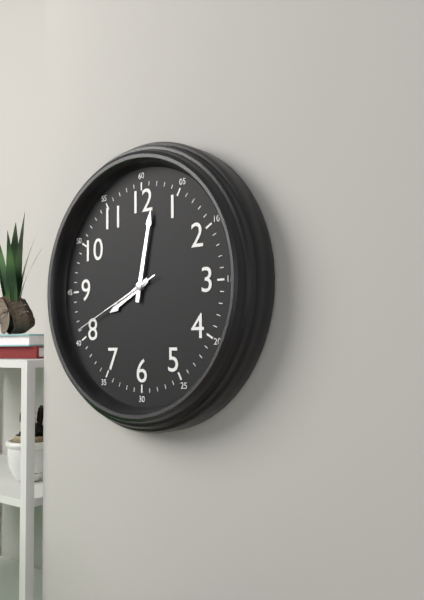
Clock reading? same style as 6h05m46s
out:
8h02m41s
